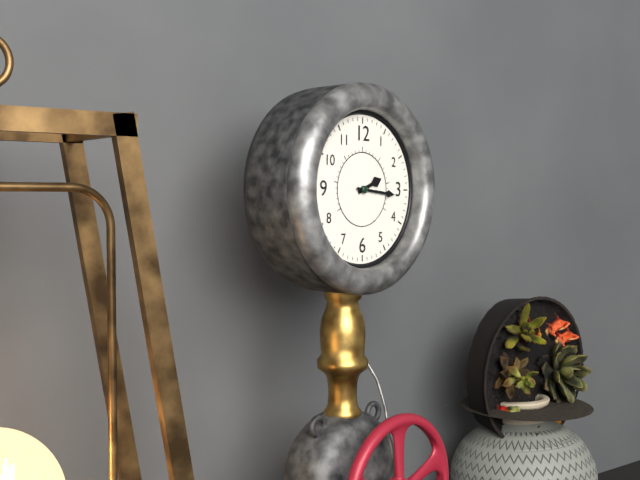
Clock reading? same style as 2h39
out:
2h16
